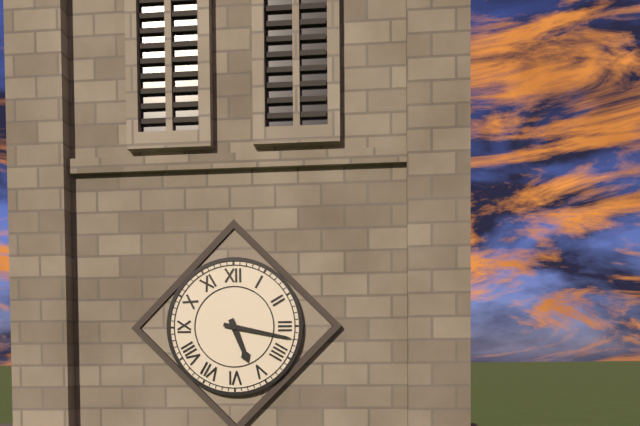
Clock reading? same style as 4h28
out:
5h17
